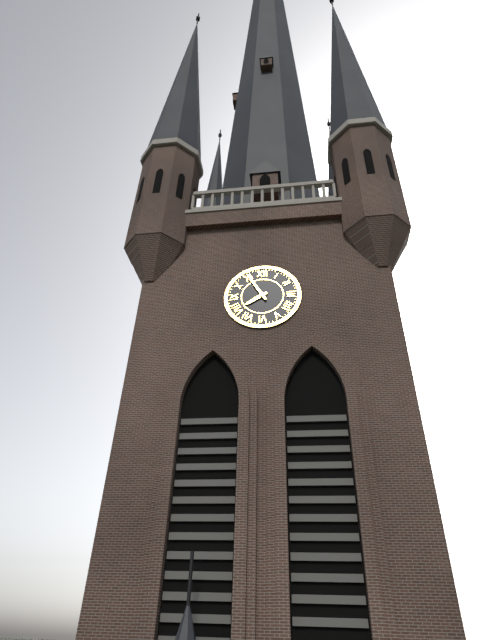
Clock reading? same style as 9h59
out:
7h55
